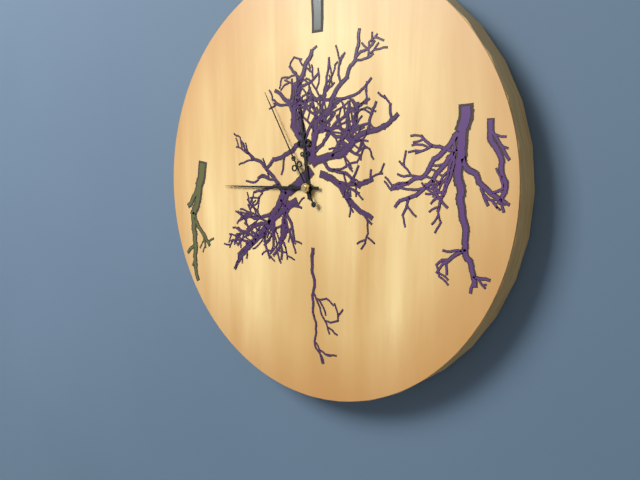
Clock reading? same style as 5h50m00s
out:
11h45m55s
